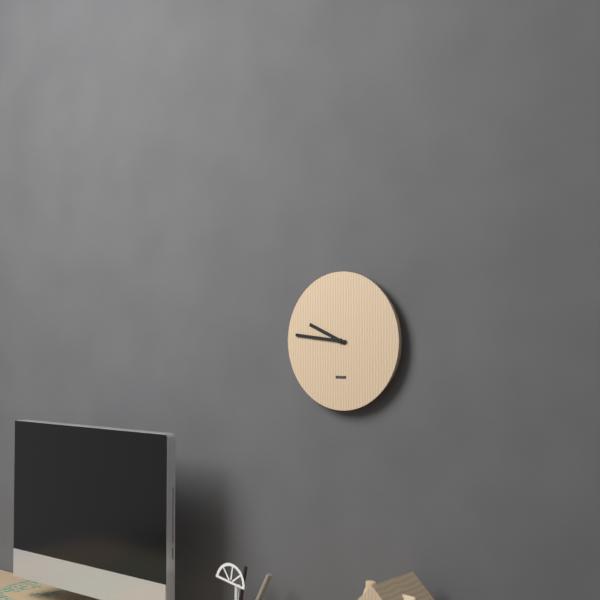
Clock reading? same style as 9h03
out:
9h46
